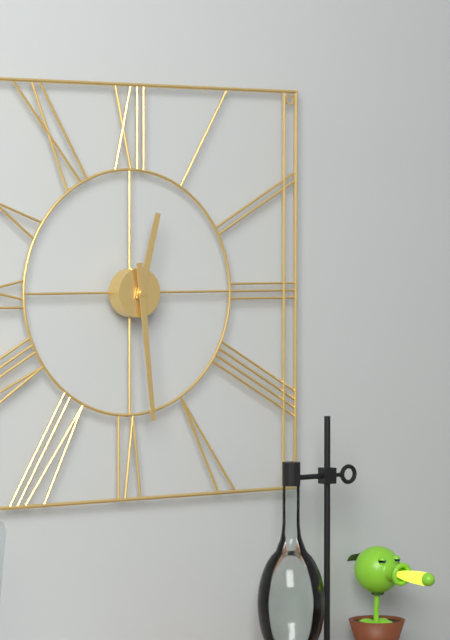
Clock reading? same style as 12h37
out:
12h29
